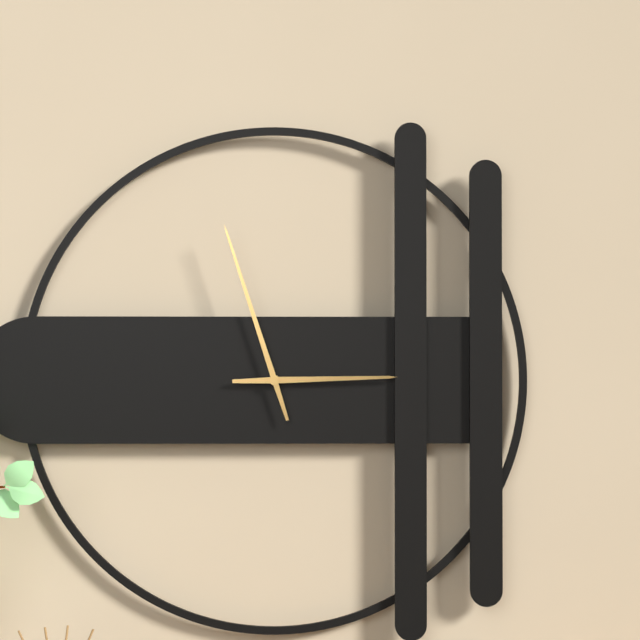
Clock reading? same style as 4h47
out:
2h57
